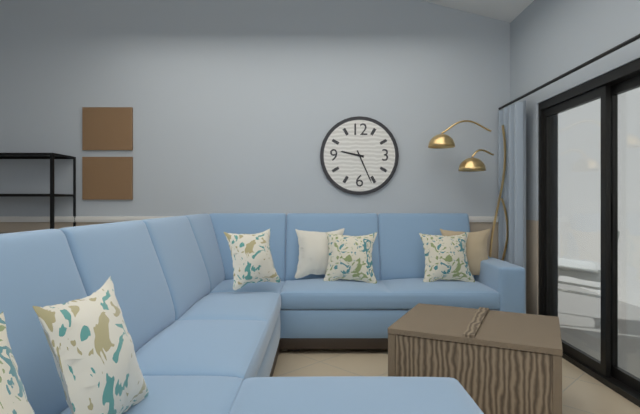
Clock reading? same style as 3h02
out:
9h26
